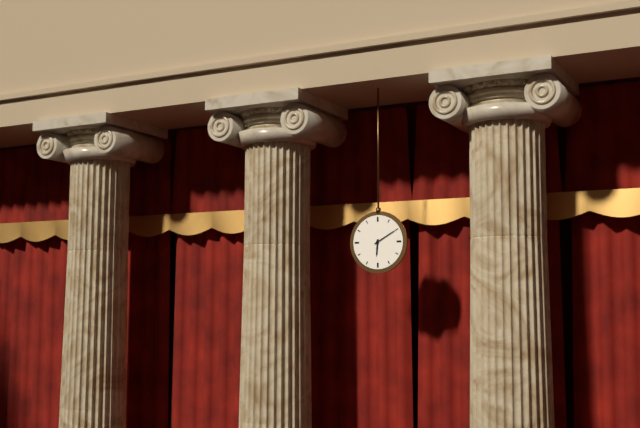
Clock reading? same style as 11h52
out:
6h10
